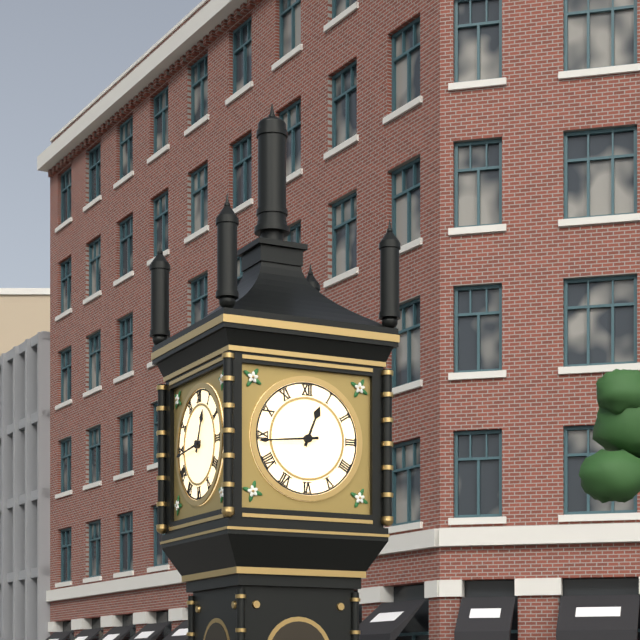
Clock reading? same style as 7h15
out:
12h44
